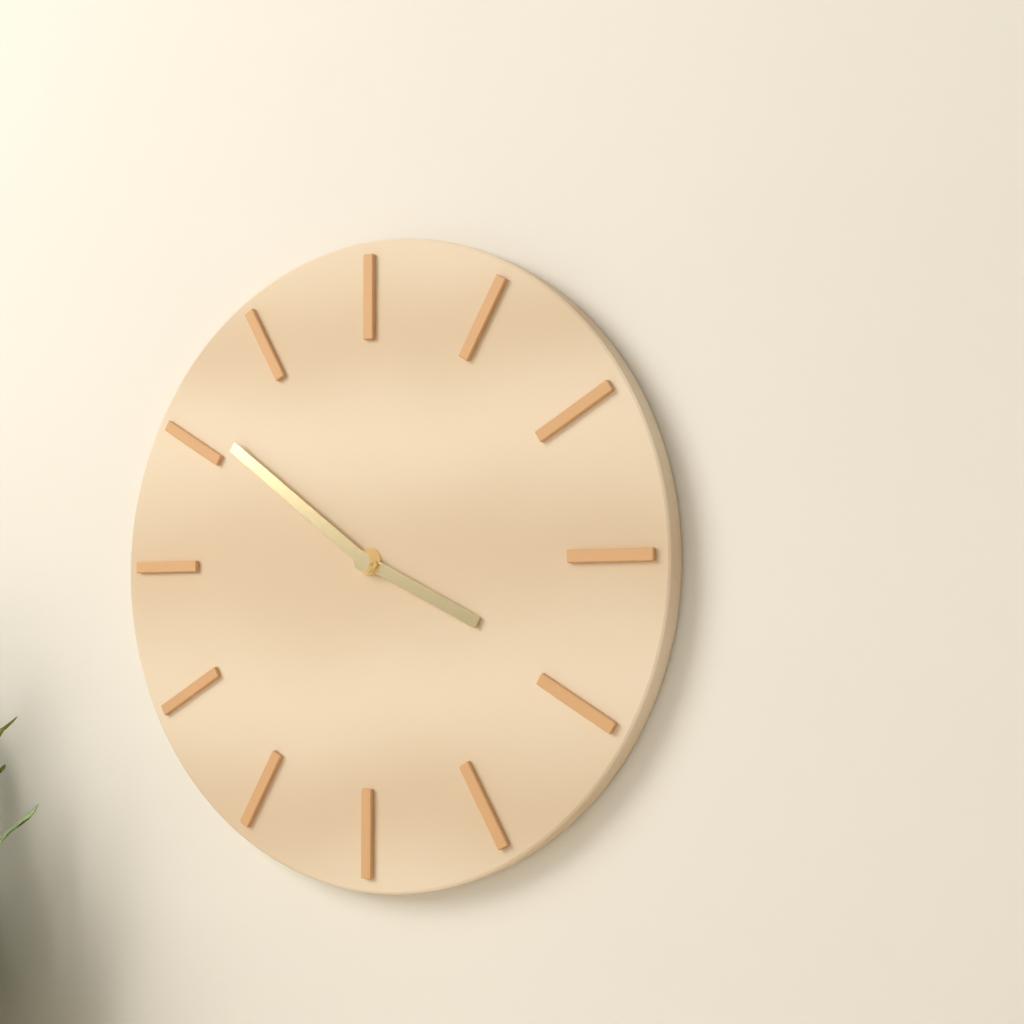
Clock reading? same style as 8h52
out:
3h51
